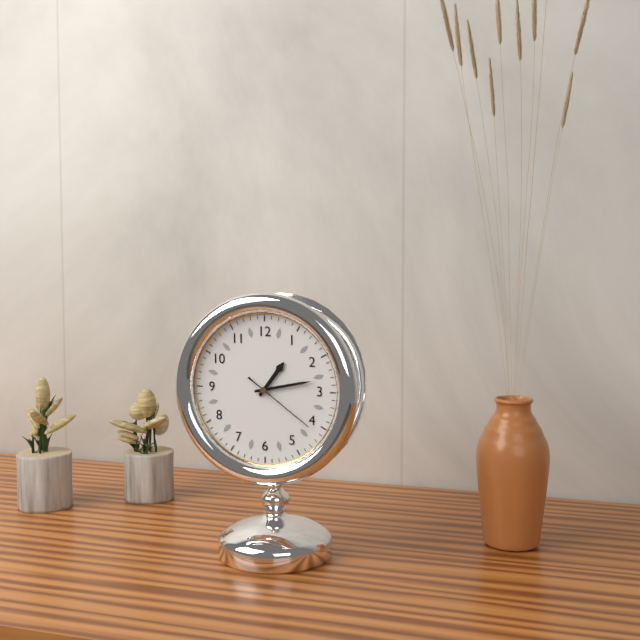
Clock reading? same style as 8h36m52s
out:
1h13m21s
